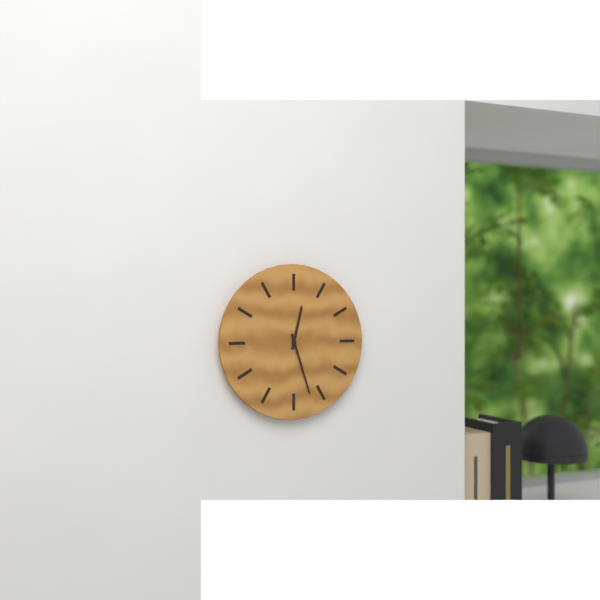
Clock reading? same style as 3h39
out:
12h27
